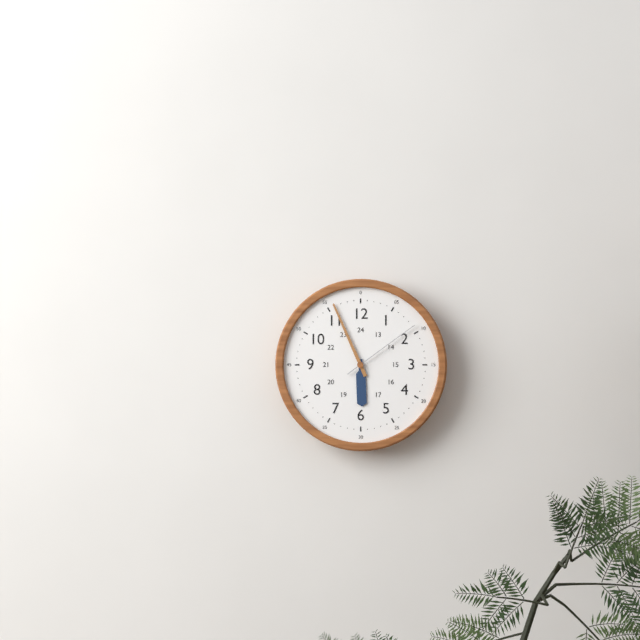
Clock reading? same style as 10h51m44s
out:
5h56m09s
